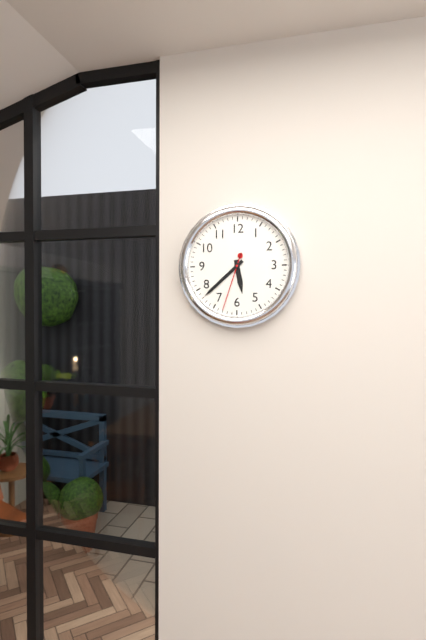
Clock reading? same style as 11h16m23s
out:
5h38m33s
